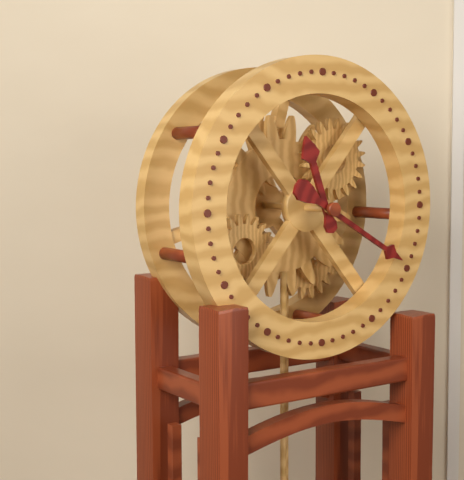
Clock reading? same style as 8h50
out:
11h20
